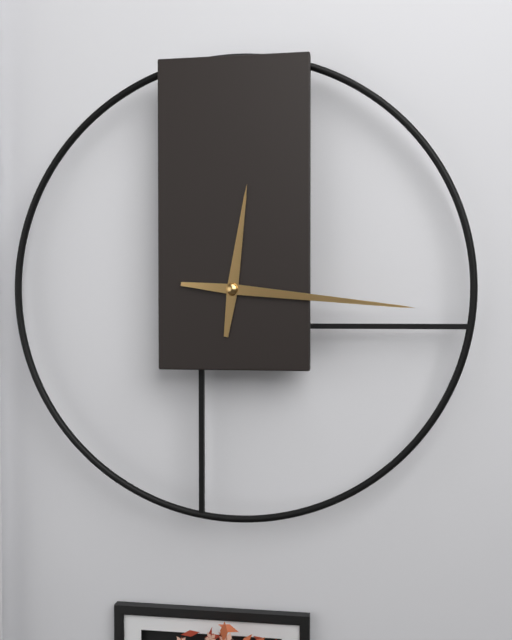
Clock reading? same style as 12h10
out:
12h16
